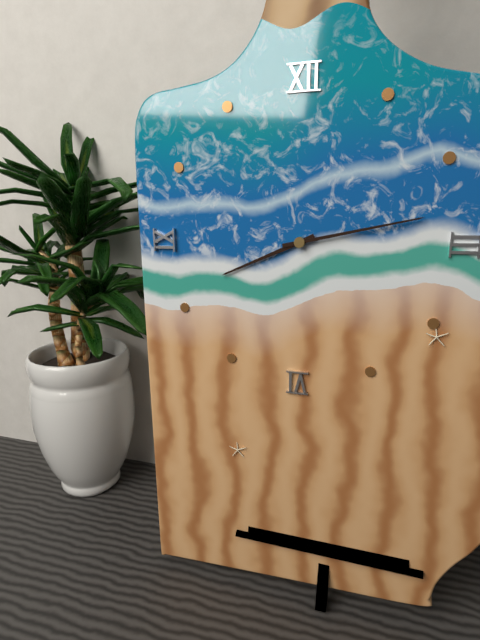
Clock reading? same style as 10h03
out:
8h13
